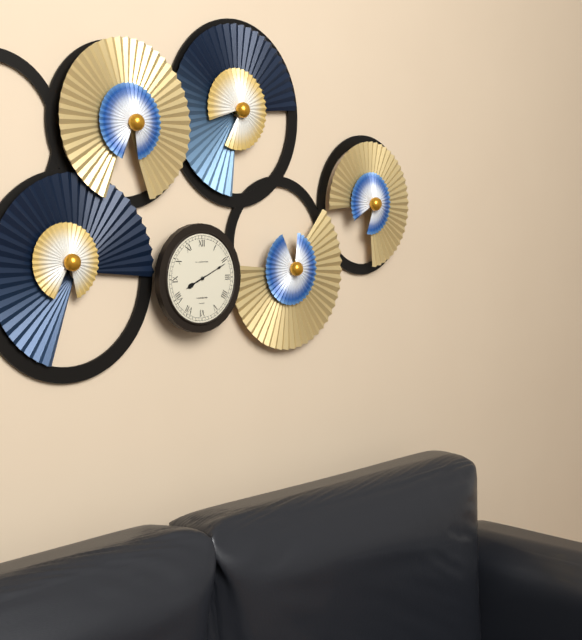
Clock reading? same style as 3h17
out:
8h11
